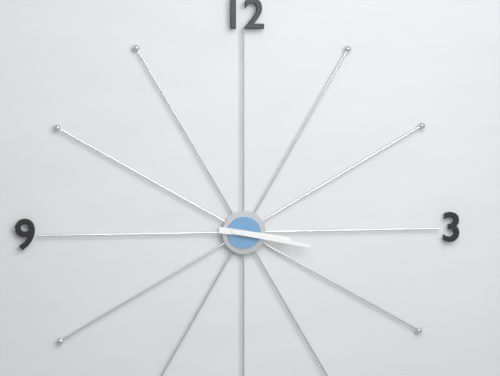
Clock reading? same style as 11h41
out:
3h17
